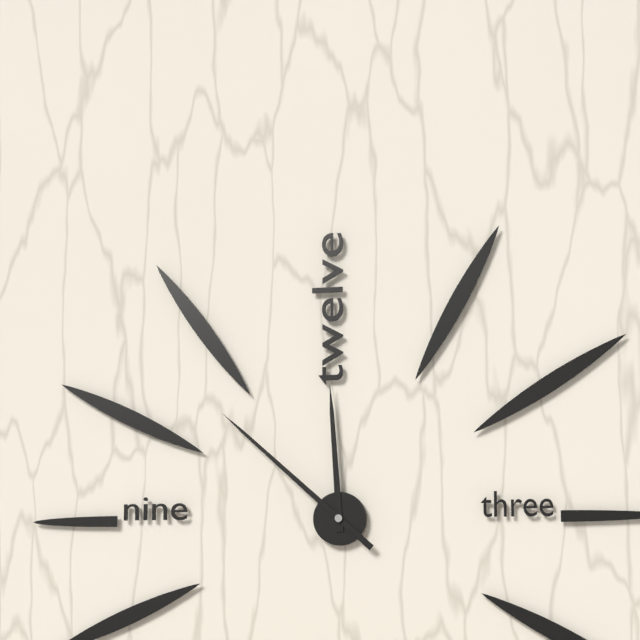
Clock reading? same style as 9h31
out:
11h52
